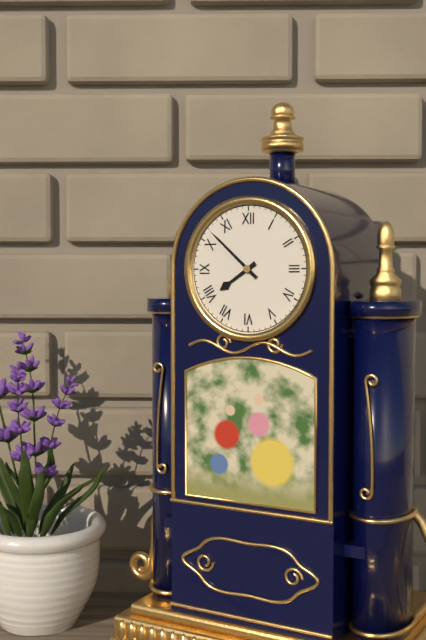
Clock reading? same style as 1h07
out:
7h52
